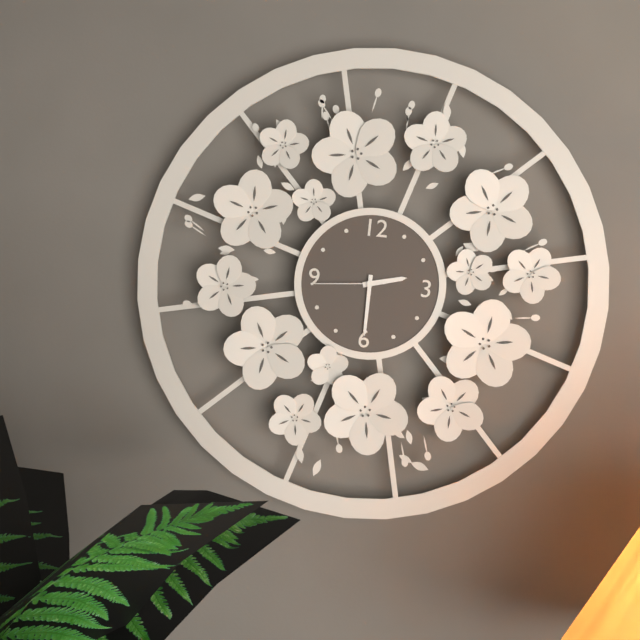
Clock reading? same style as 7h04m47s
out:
2h30m44s
